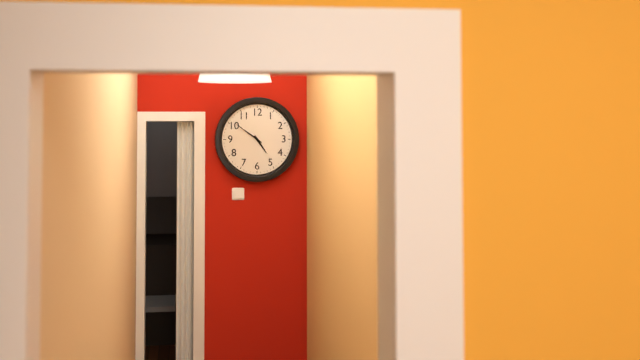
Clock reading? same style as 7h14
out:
4h51
